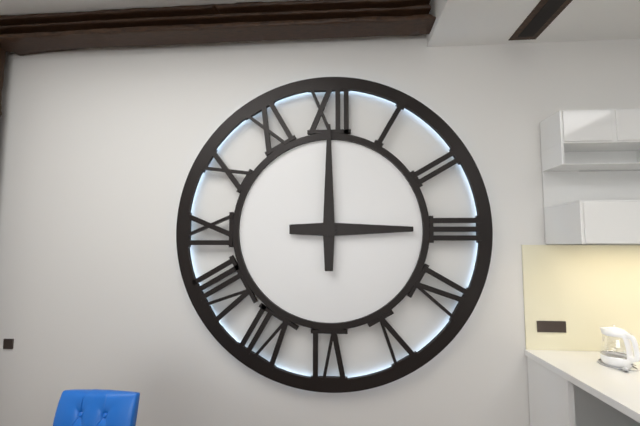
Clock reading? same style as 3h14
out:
3h00
